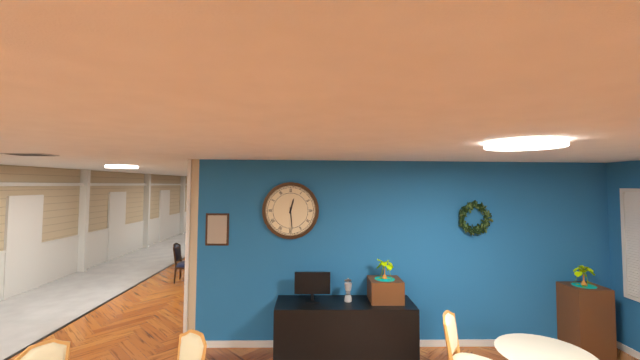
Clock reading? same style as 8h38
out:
12h29
